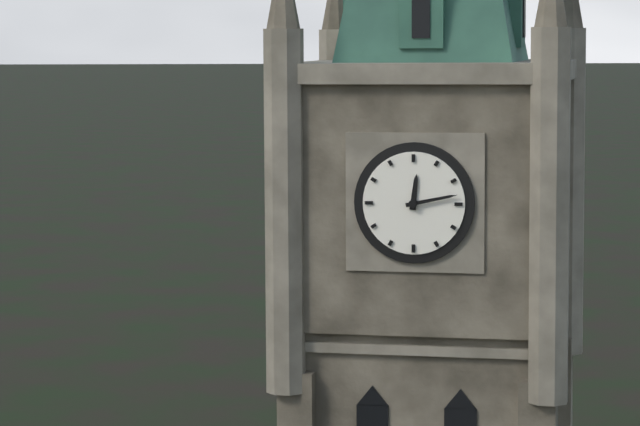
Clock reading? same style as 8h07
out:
12h13
